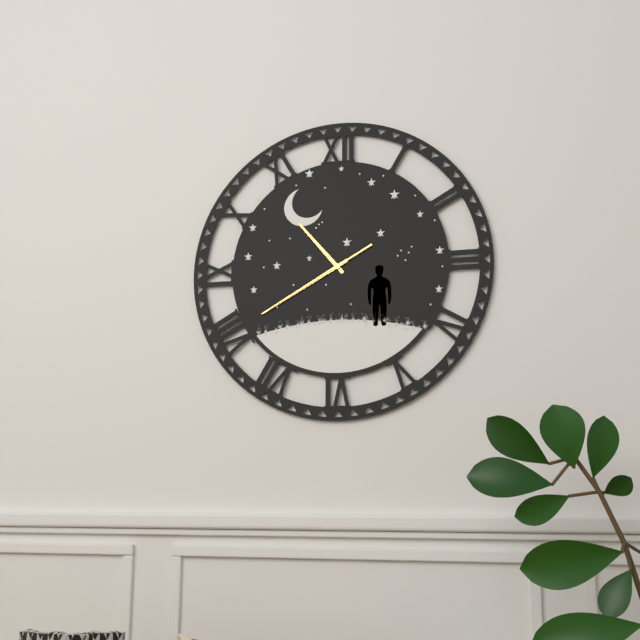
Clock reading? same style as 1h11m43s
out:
10h40m40s
